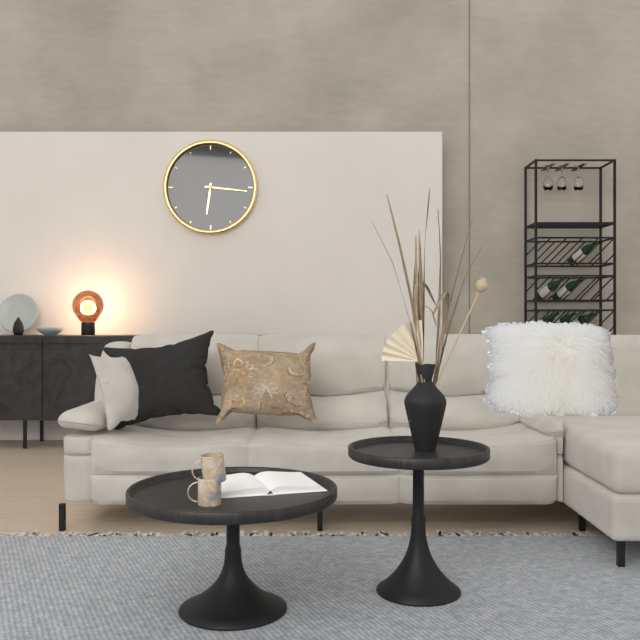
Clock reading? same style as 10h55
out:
6h16
